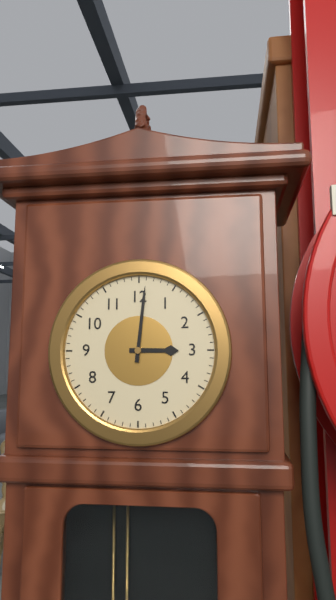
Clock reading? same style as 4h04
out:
3h01
